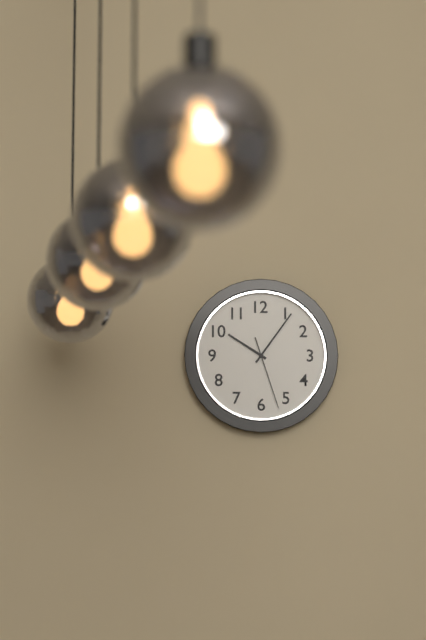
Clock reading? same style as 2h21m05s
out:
10h06m27s
